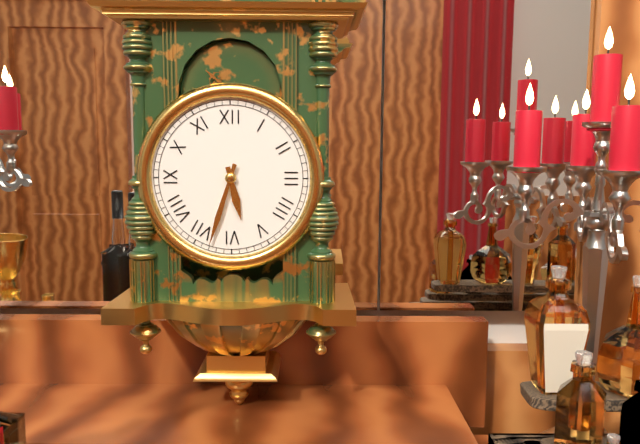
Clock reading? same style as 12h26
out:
5h33
